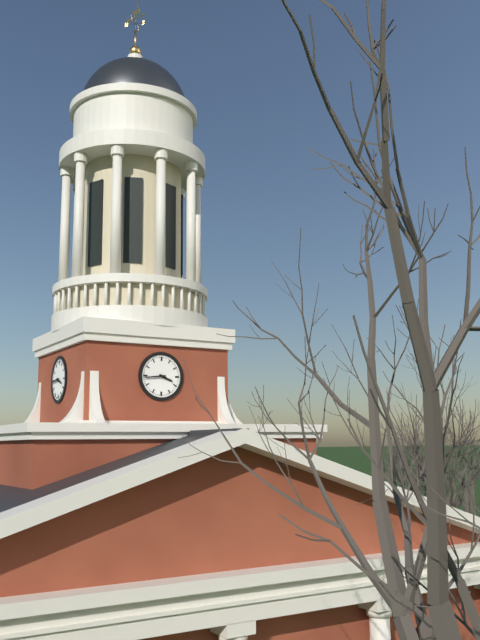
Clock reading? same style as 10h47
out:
3h44
